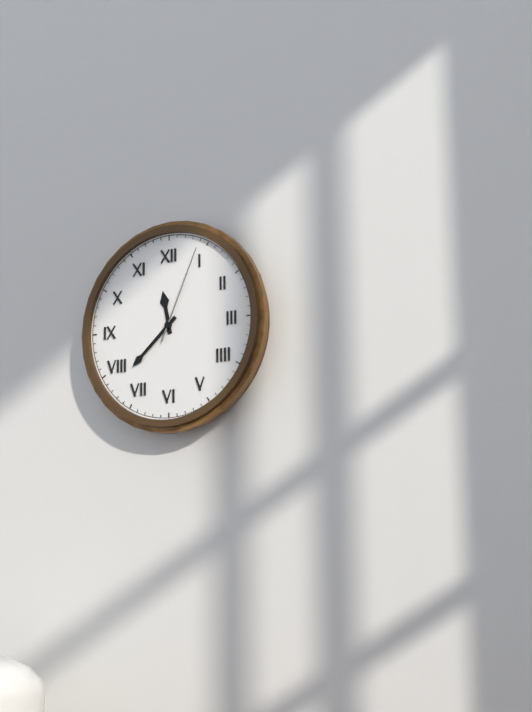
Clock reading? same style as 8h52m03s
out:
11h38m04s
